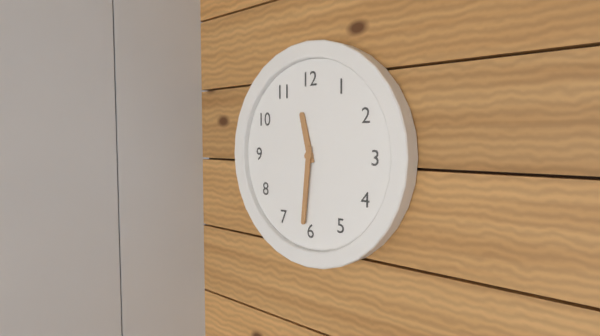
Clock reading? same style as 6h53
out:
11h31
